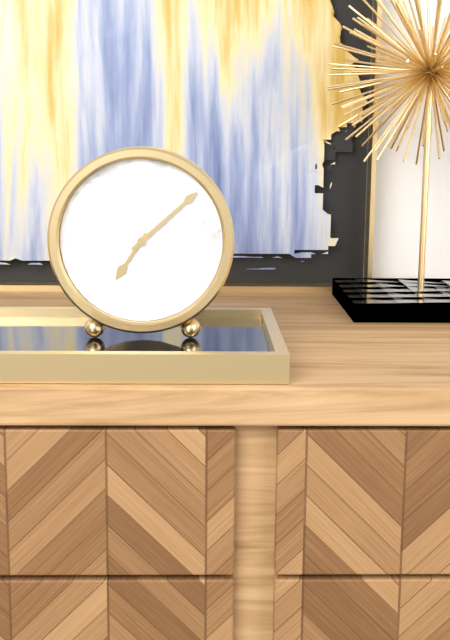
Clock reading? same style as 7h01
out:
7h08
